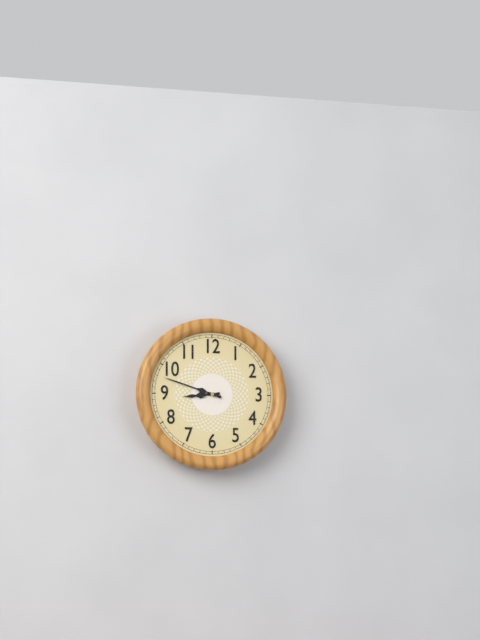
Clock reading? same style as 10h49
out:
8h48
